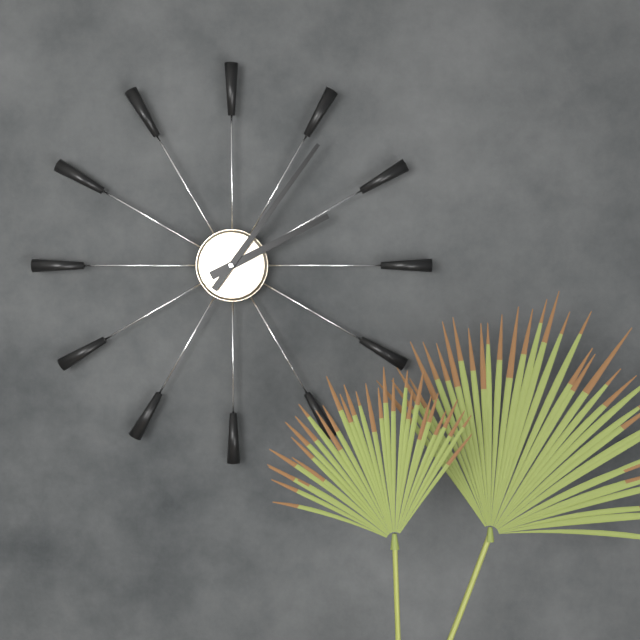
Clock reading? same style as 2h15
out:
2h06
